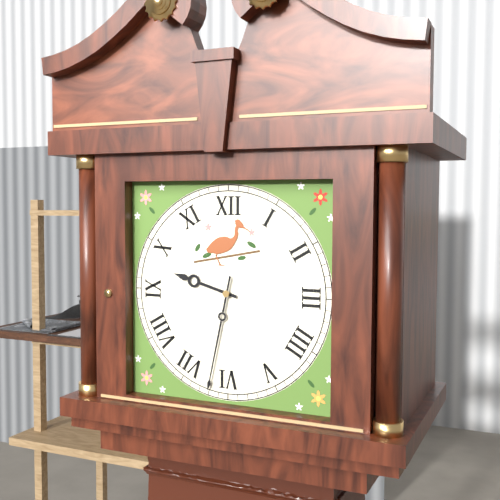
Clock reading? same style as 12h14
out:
9h32
